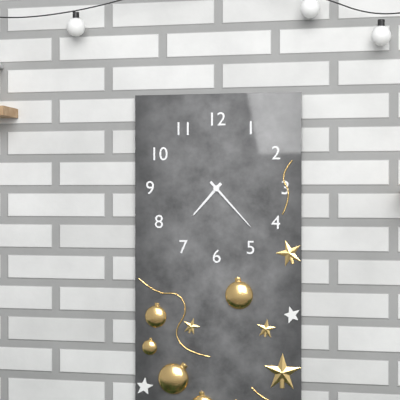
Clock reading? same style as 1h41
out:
7h23
